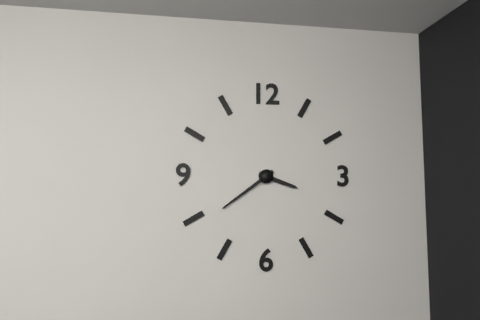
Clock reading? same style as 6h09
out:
3h39
